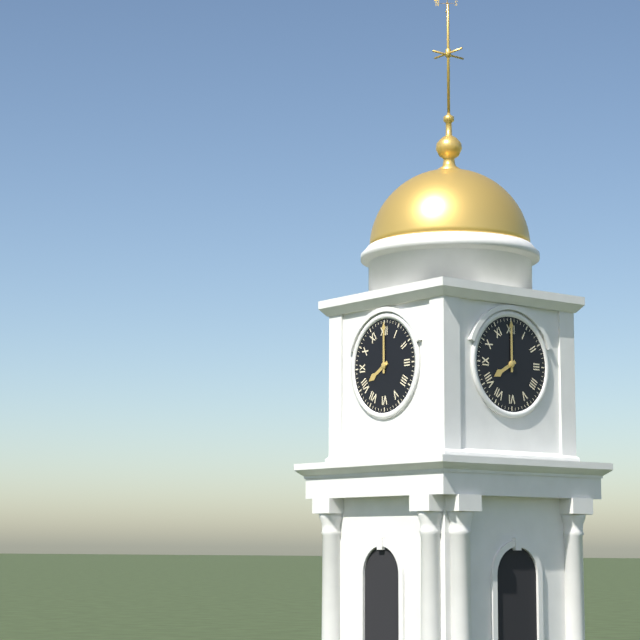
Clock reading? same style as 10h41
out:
8h00
